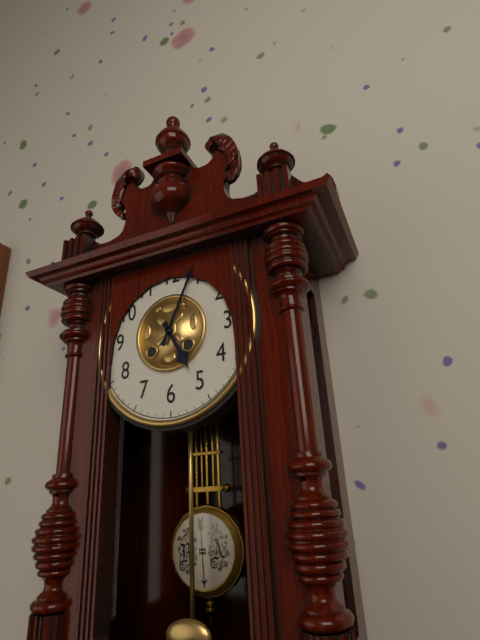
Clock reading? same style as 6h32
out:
5h04
